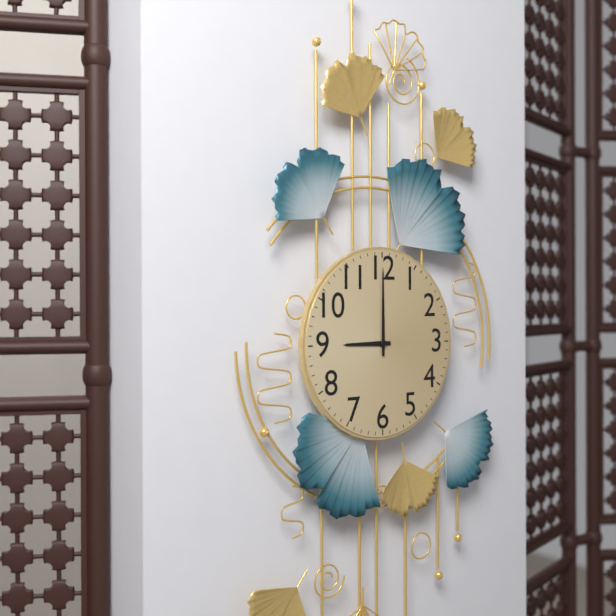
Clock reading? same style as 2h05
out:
9h00
